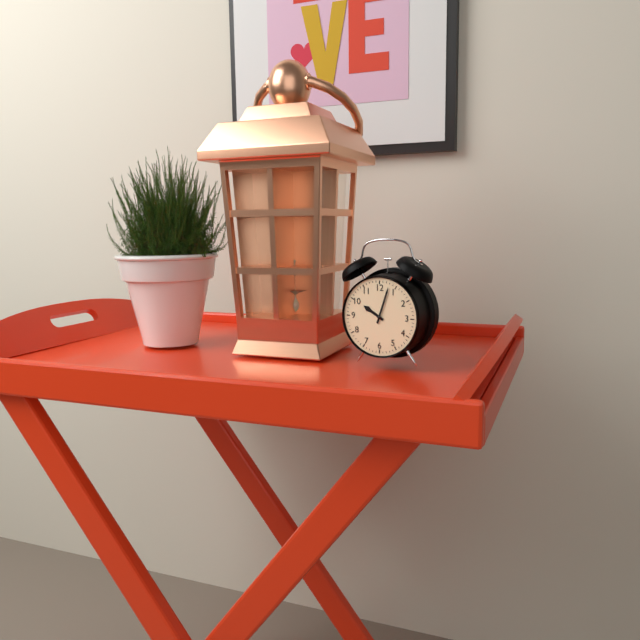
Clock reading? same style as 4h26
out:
10h03
